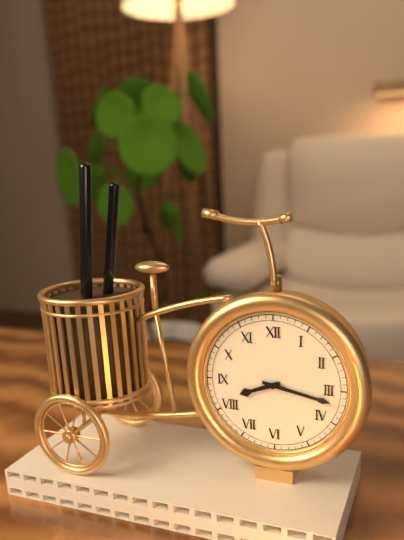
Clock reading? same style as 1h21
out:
8h17
